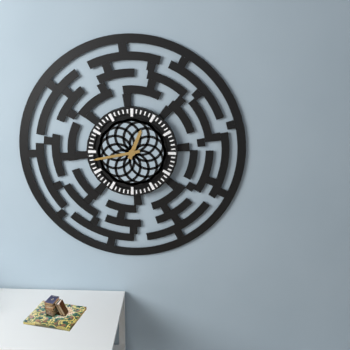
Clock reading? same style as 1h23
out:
12h43
